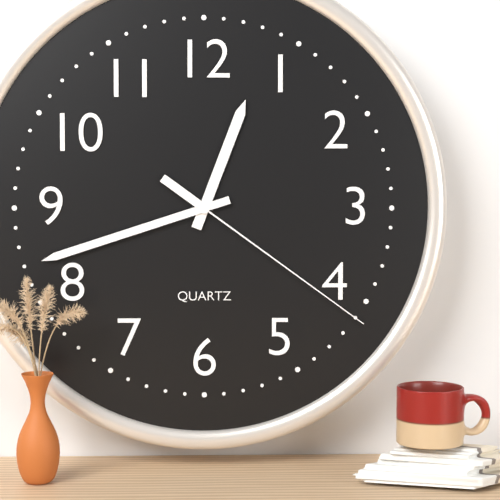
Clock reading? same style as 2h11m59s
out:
12h42m21s
